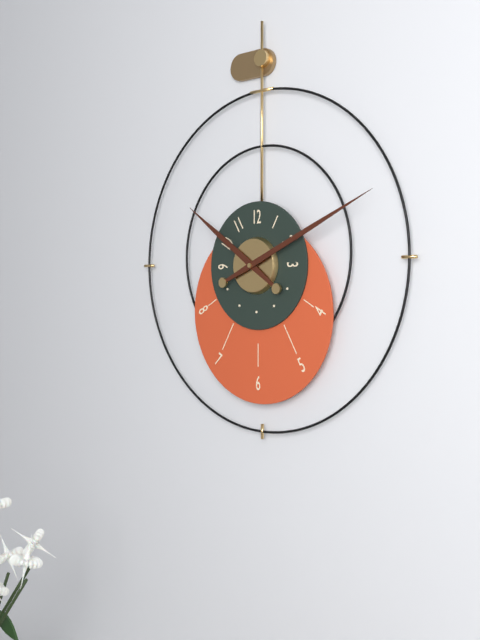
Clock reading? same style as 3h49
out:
10h11
